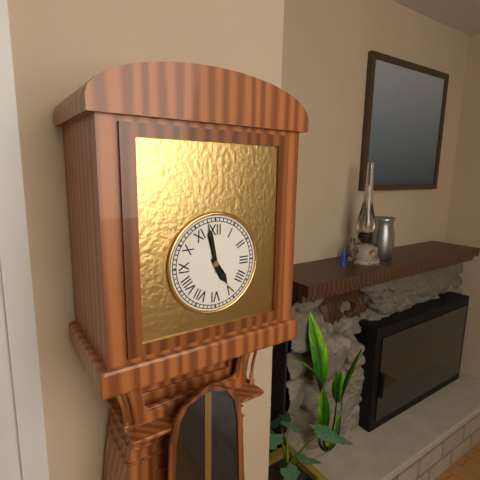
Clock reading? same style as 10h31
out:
4h58
